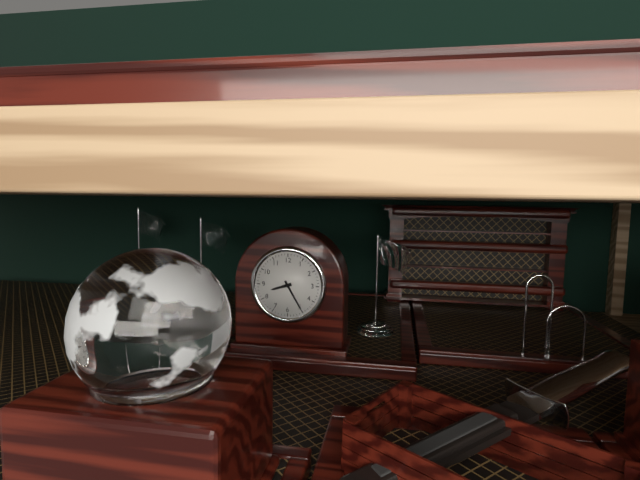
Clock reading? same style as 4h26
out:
8h25
